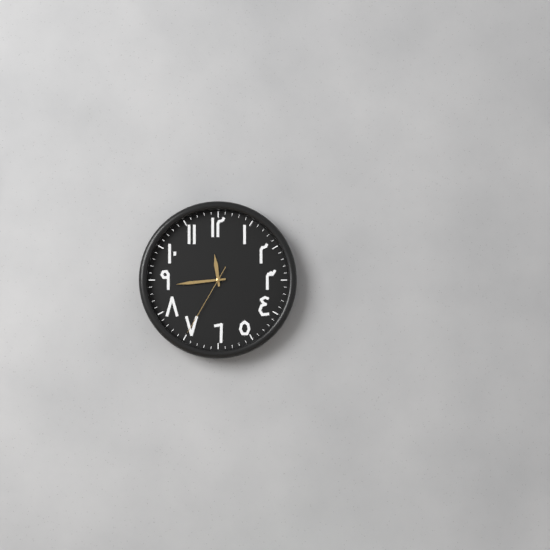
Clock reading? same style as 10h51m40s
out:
11h44m35s
